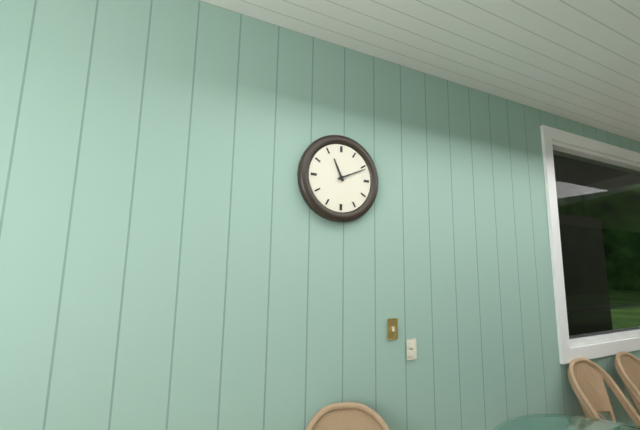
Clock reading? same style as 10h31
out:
11h11
